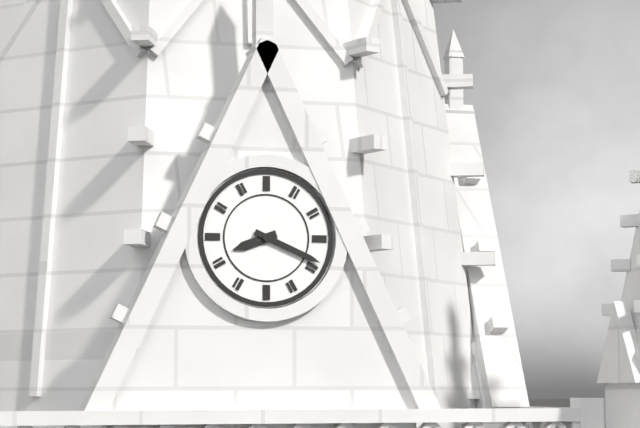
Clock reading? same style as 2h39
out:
8h19
